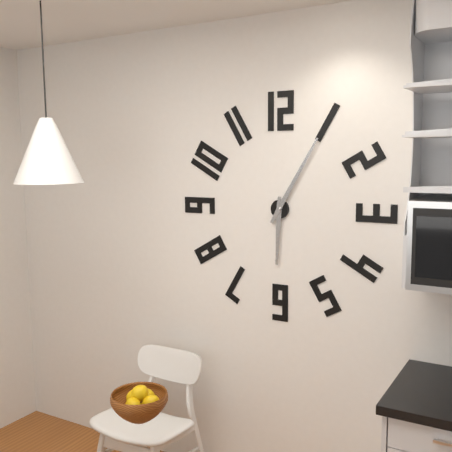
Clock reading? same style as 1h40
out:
6h05
